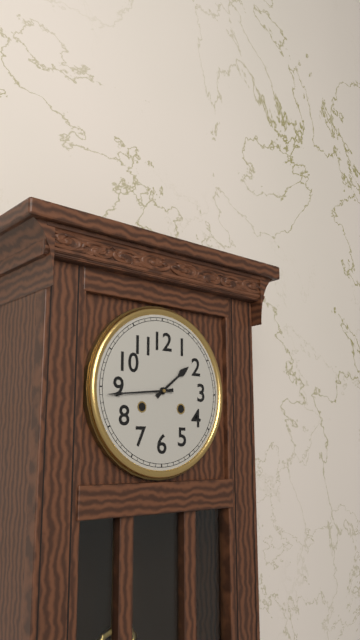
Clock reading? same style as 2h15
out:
1h44
